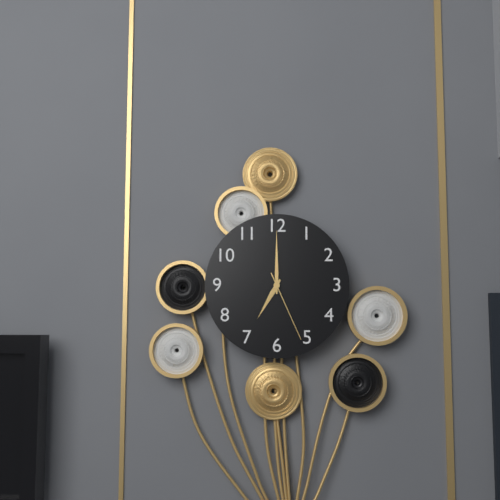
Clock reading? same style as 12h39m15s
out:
7h00m26s
